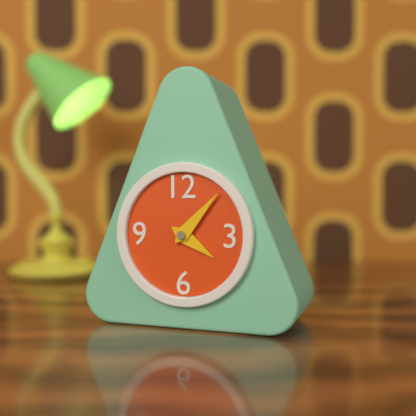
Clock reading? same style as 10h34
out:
4h07
